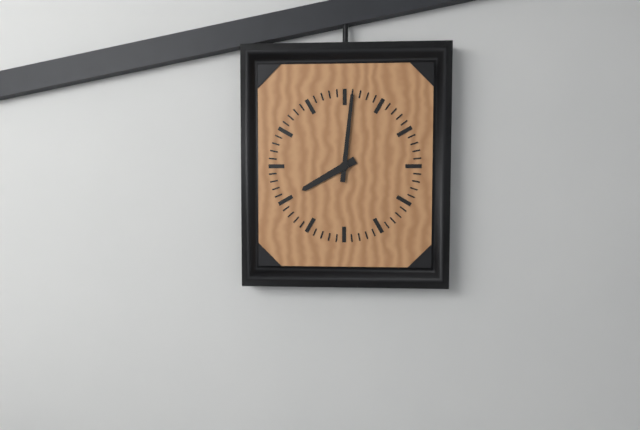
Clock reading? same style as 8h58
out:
8h01
